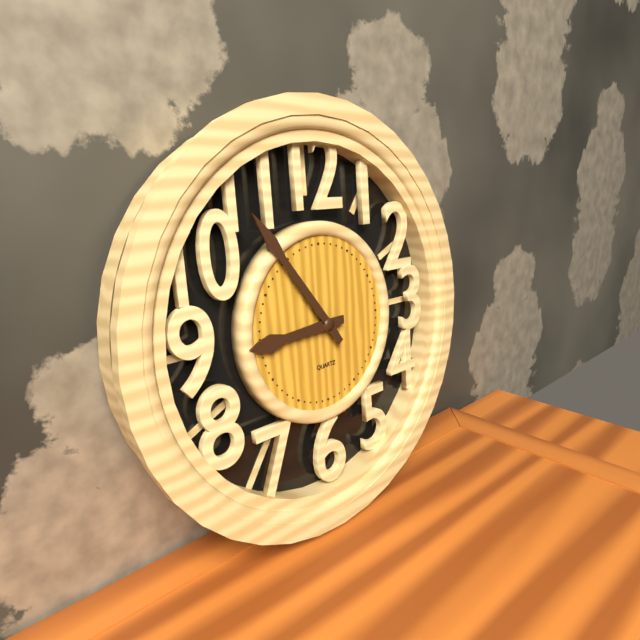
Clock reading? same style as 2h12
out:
8h54
